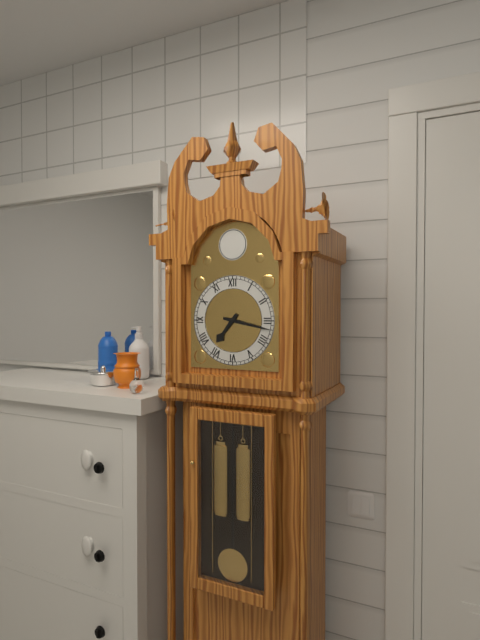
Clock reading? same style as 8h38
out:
7h17
